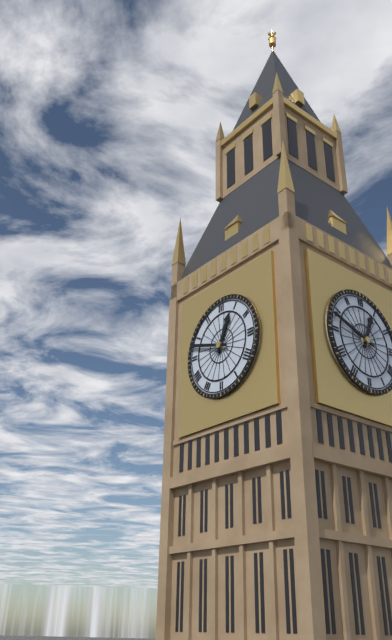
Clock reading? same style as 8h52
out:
12h48
